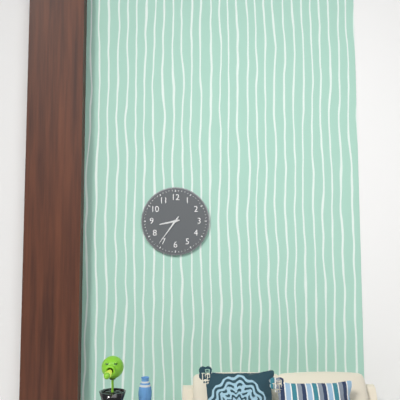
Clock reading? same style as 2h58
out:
8h36
